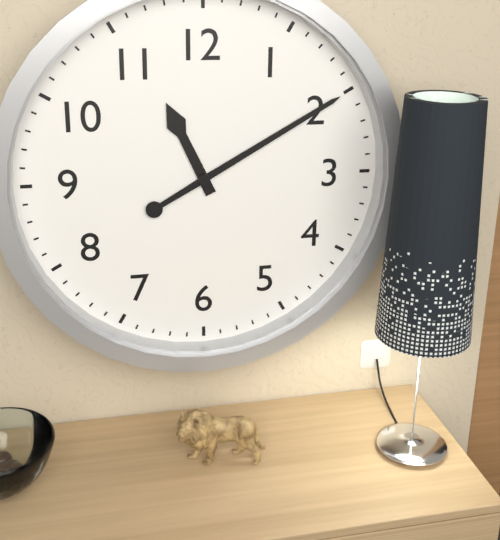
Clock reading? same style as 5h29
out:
11h10
